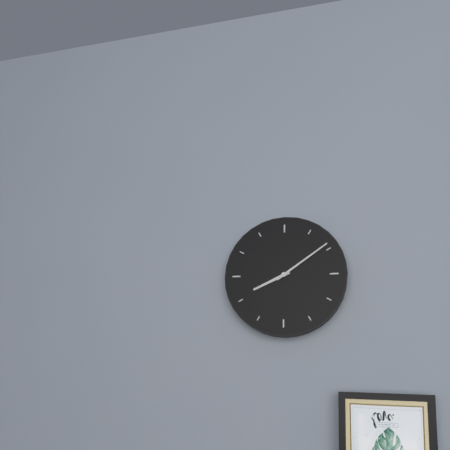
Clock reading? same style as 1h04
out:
8h09
